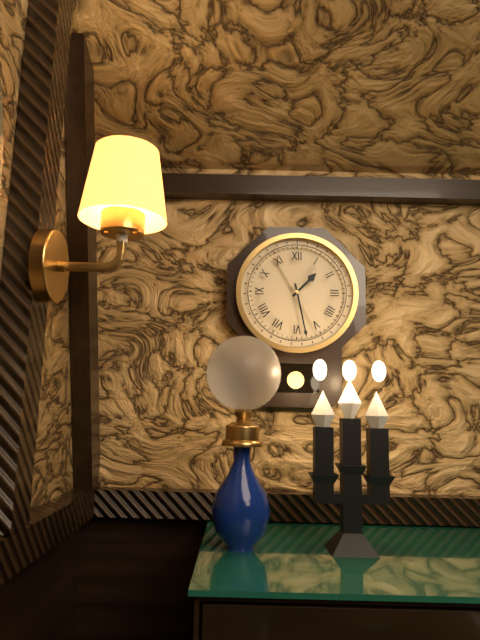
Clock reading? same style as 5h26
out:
1h28
